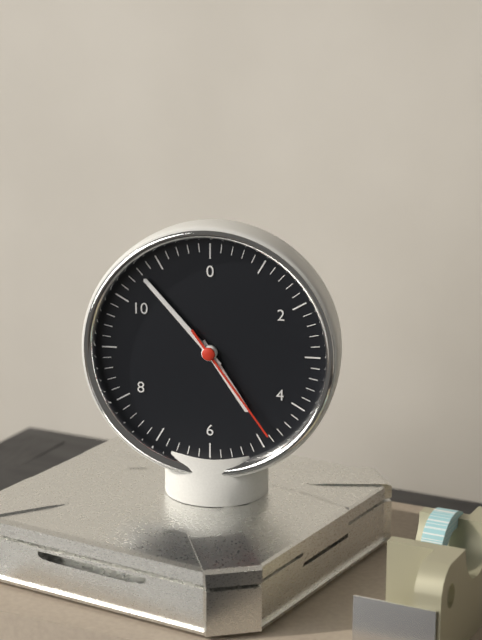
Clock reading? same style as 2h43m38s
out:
4h53m24s
